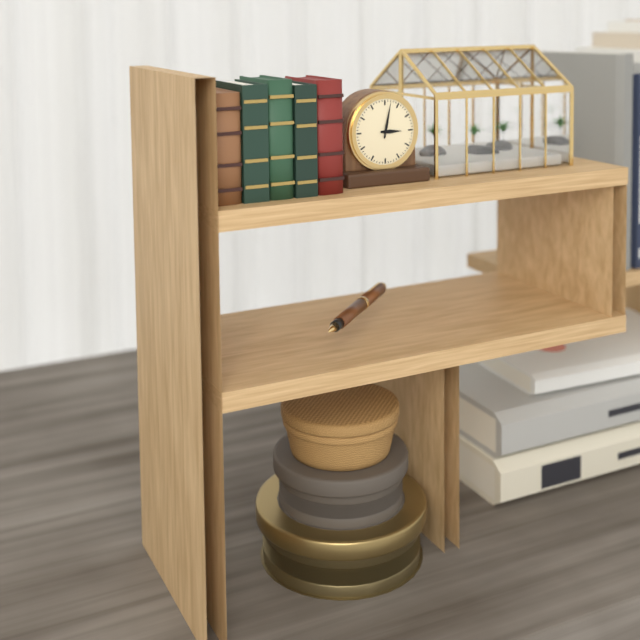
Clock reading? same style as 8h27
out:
3h02
